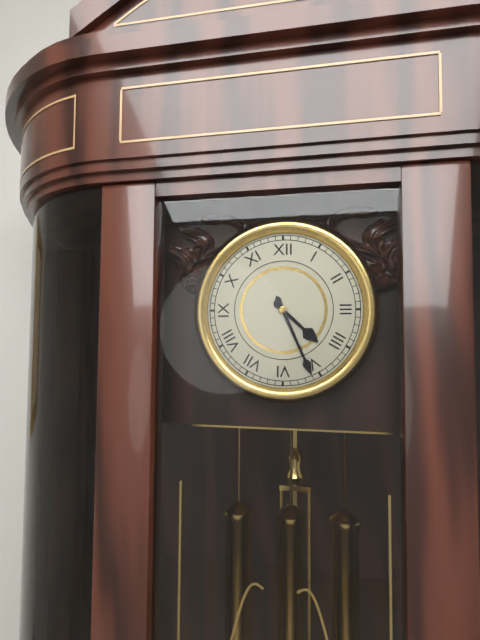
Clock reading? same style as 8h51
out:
4h26
